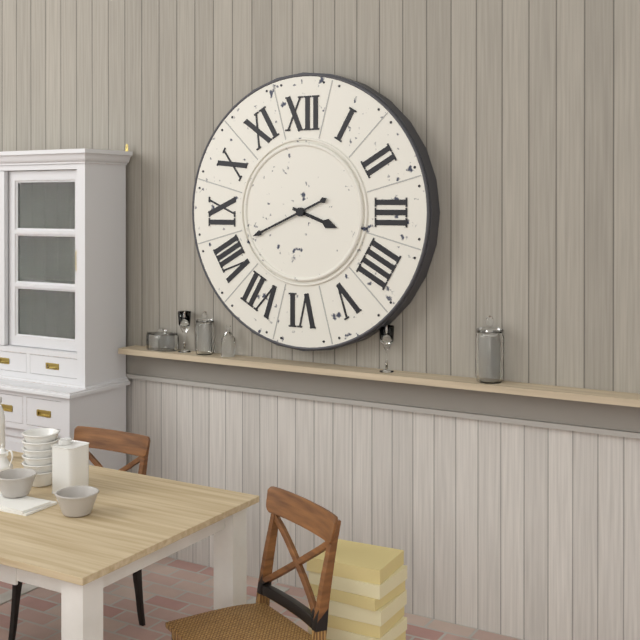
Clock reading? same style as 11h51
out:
3h41
